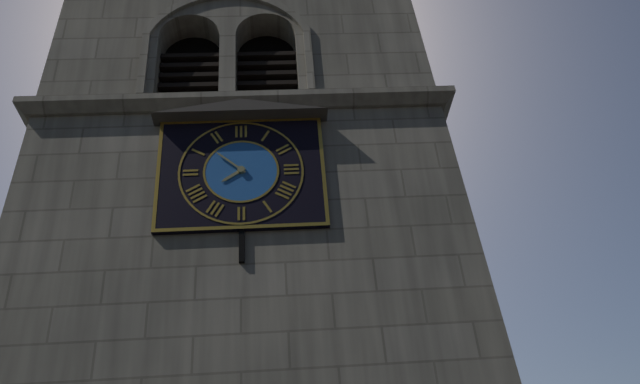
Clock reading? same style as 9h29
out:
7h52
